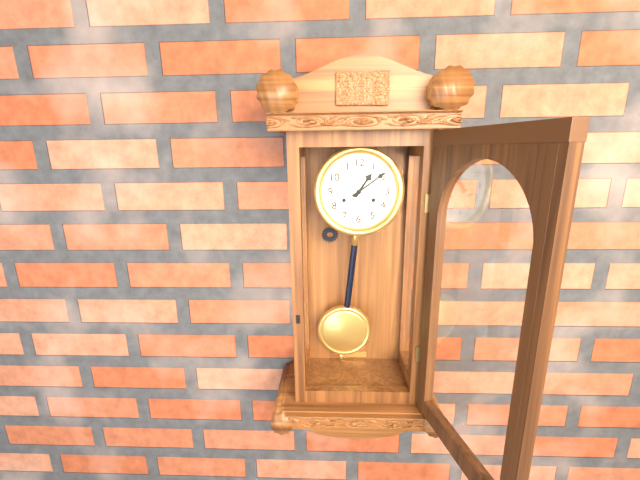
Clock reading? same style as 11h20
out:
1h09
